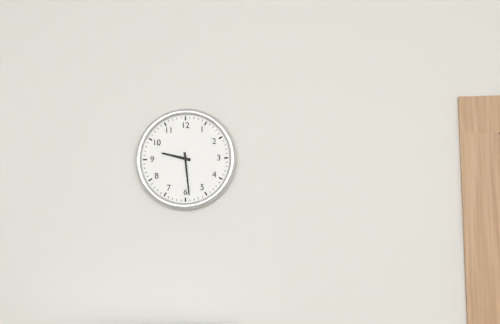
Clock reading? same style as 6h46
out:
9h29
